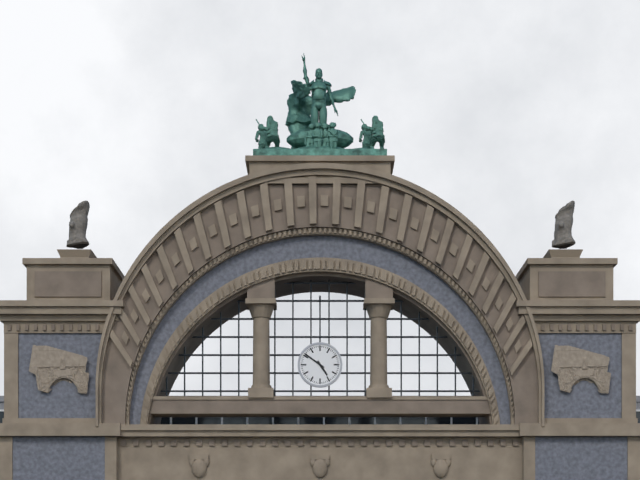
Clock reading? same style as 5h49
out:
4h51
